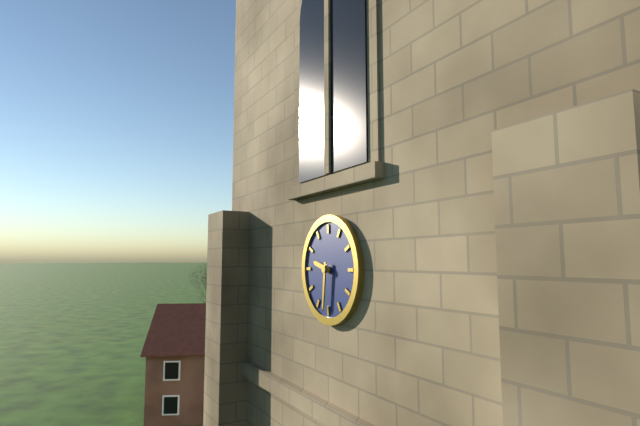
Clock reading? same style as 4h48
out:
9h31
